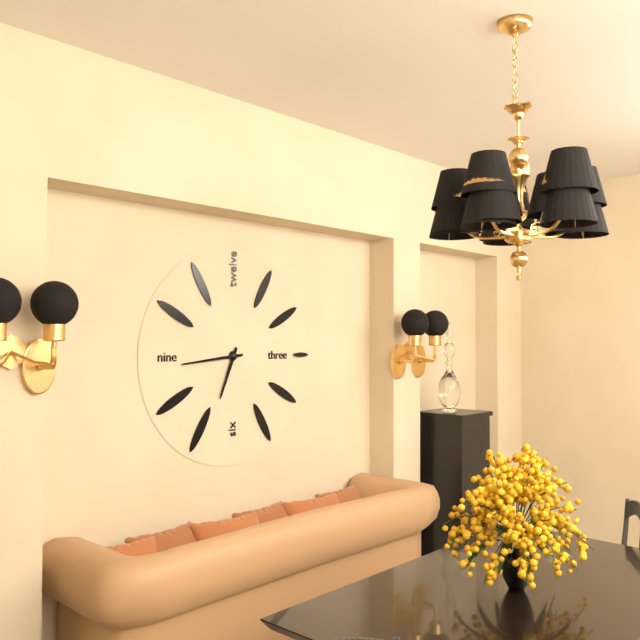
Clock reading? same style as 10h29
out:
6h44
